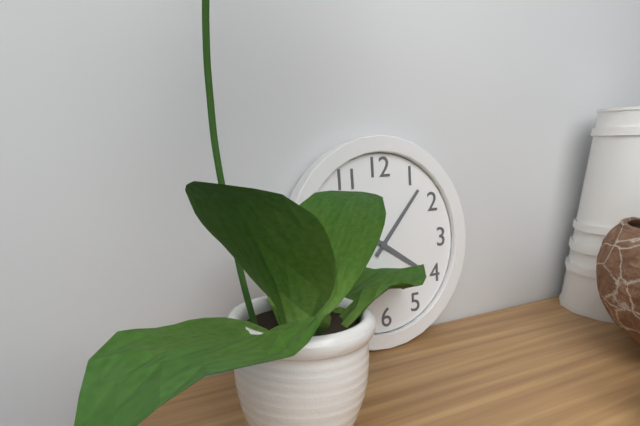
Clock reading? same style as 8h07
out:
4h07
